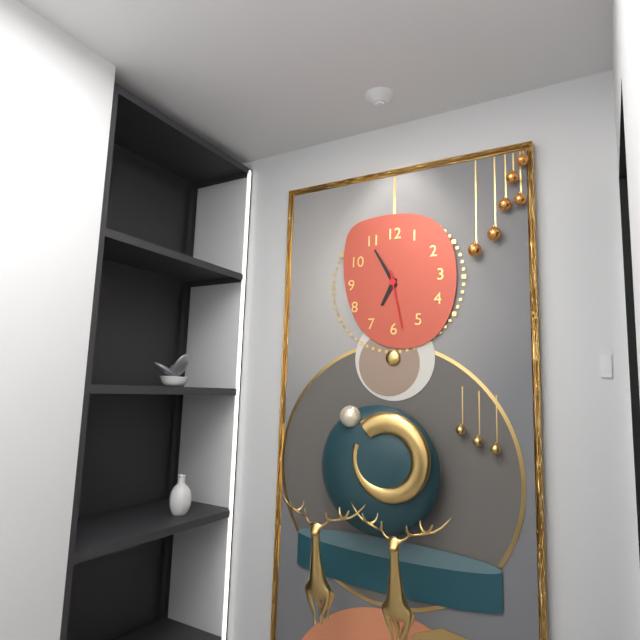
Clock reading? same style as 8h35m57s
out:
6h55m28s
